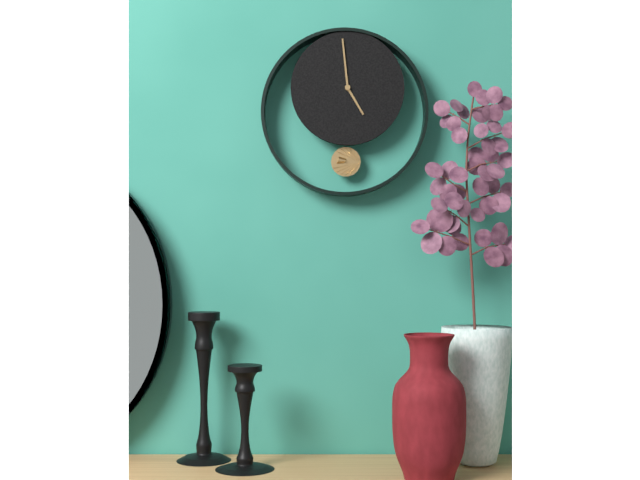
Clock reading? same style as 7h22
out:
4h59
